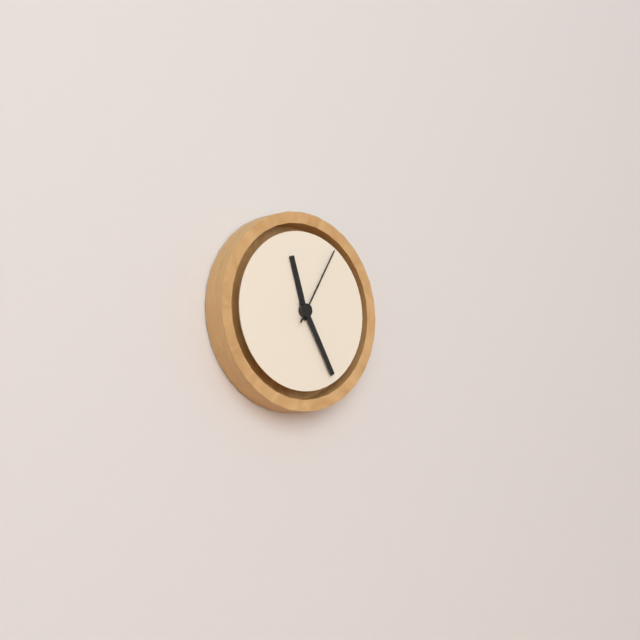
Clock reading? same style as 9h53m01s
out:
11h25m05s
